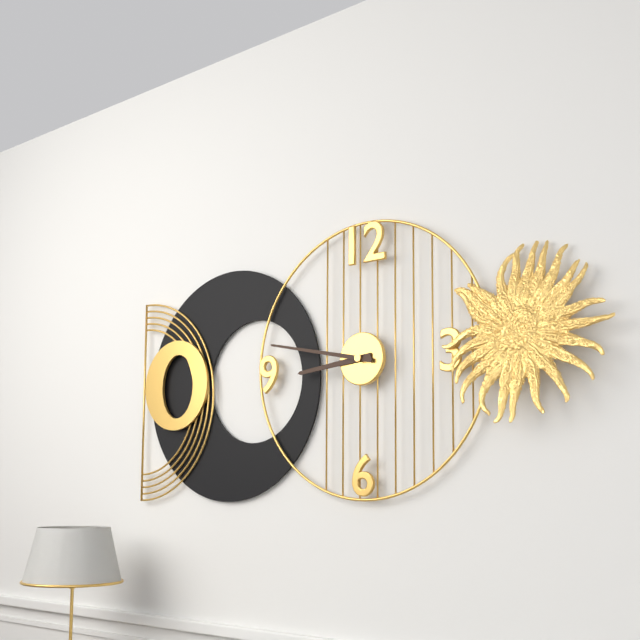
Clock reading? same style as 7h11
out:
8h47
